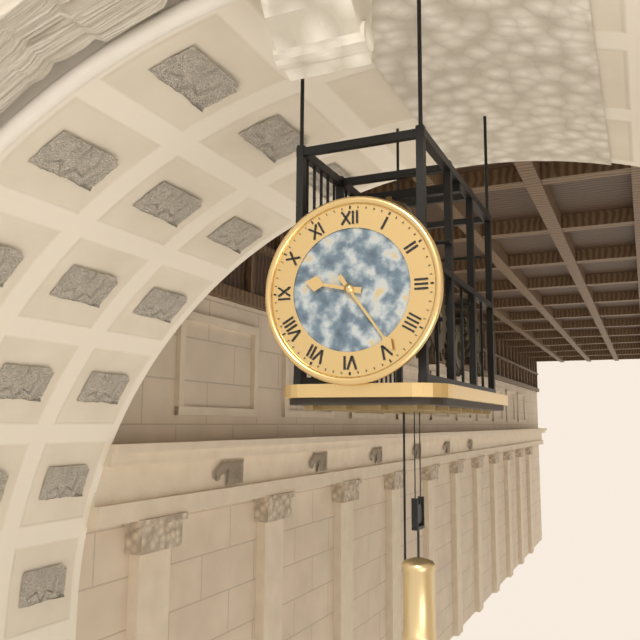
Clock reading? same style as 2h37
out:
9h24
